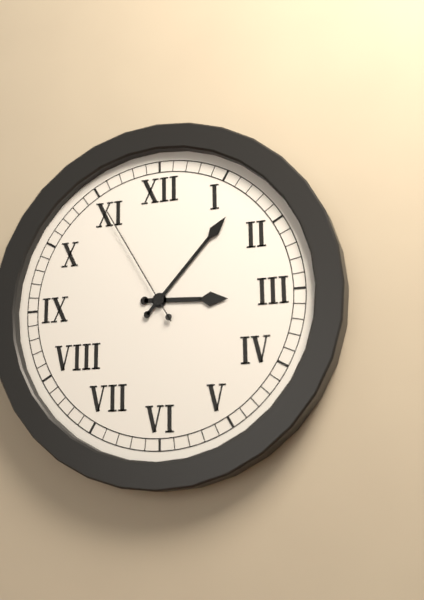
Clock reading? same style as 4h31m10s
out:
3h07m55s
